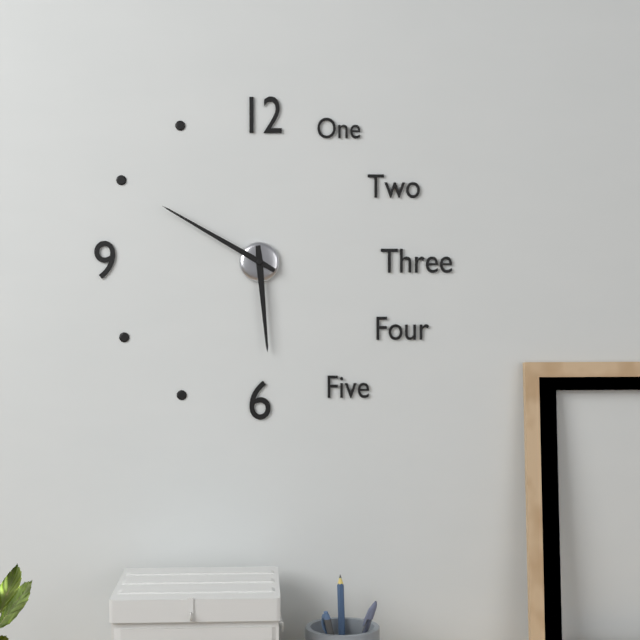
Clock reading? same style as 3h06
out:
5h50
